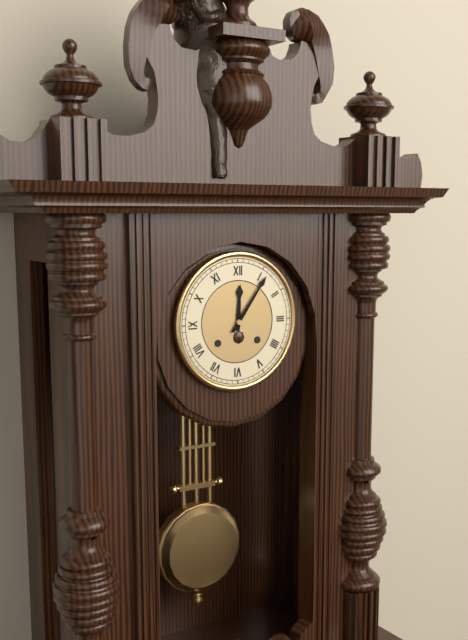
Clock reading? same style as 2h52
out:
12h06
